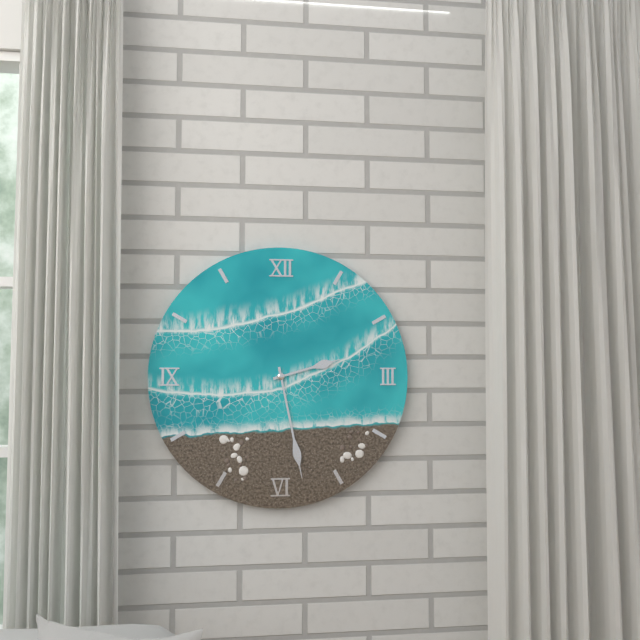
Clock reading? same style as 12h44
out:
2h28
